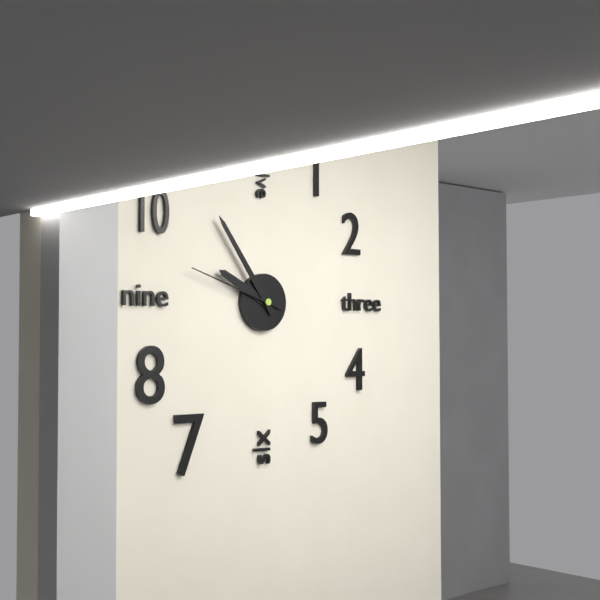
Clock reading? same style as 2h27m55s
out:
9h54m48s
